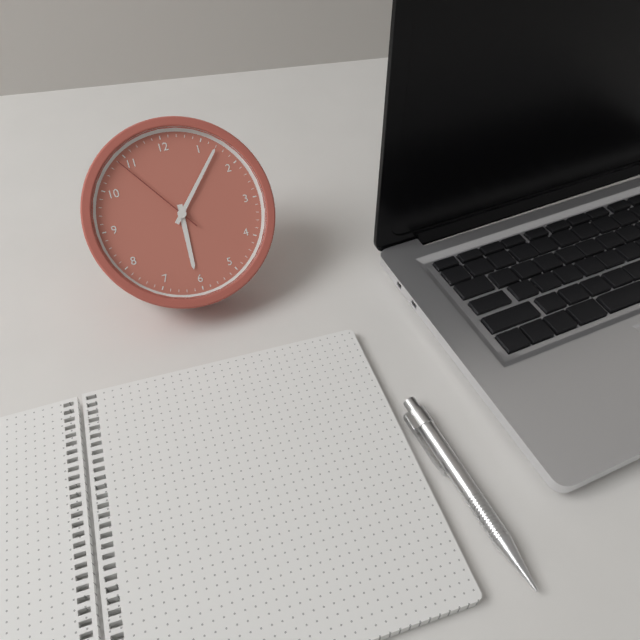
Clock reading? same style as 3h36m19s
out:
6h07m54s
